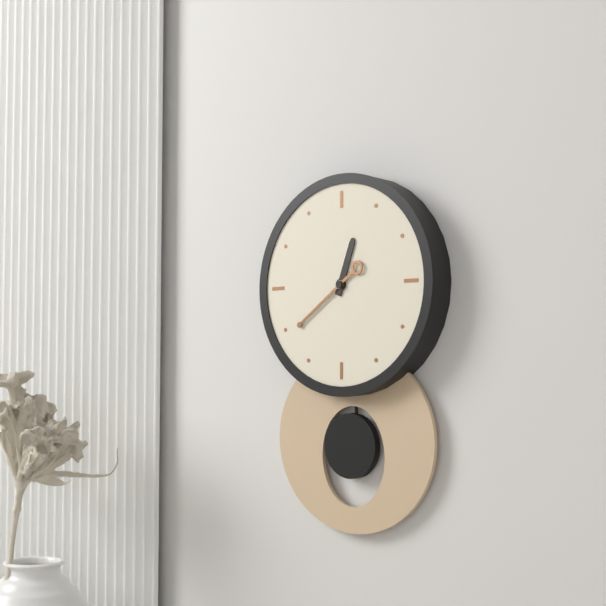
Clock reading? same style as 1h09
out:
12h39
